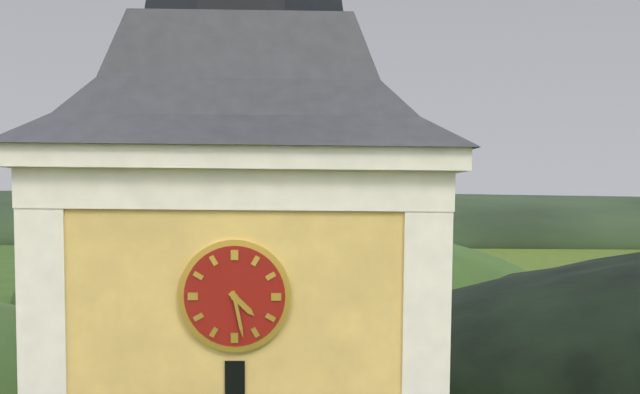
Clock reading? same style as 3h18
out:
4h28
